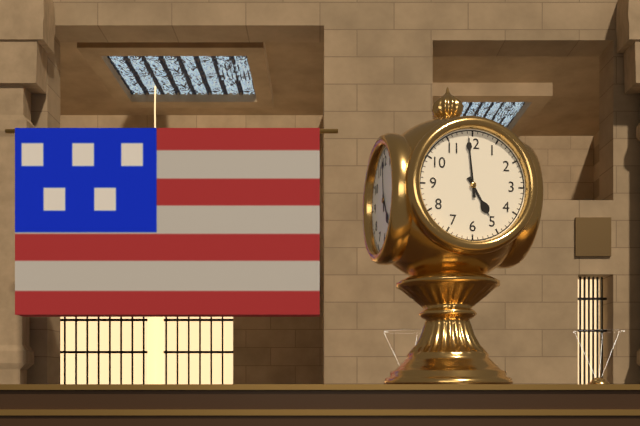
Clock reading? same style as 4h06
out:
4h59
